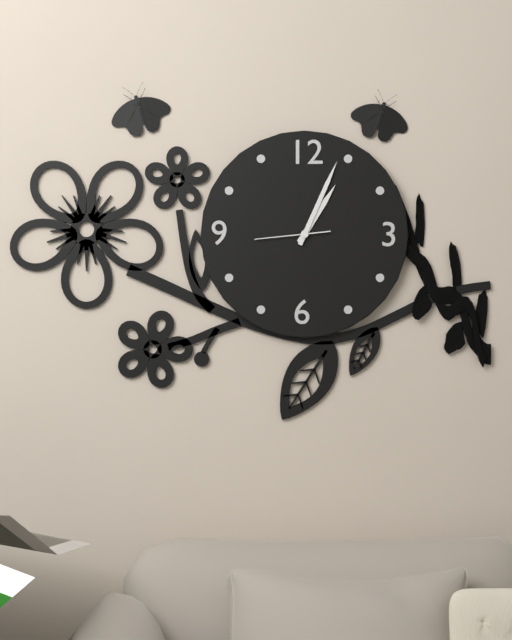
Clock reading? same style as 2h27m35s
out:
1h04m44s
